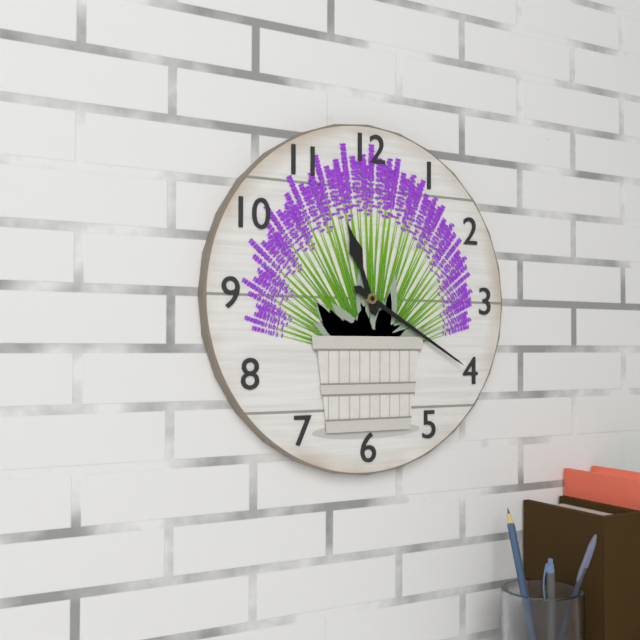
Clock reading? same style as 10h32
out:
11h20
